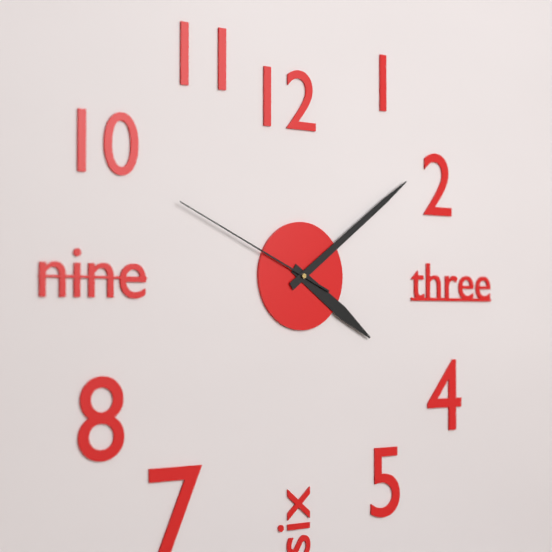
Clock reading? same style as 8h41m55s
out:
4h09m49s
